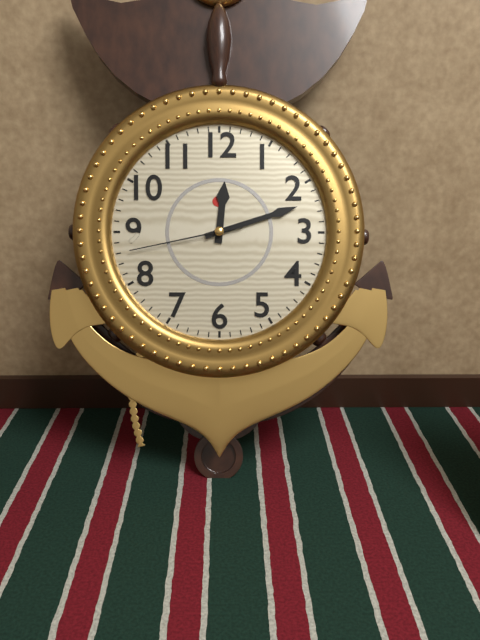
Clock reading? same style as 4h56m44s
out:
12h12m43s
